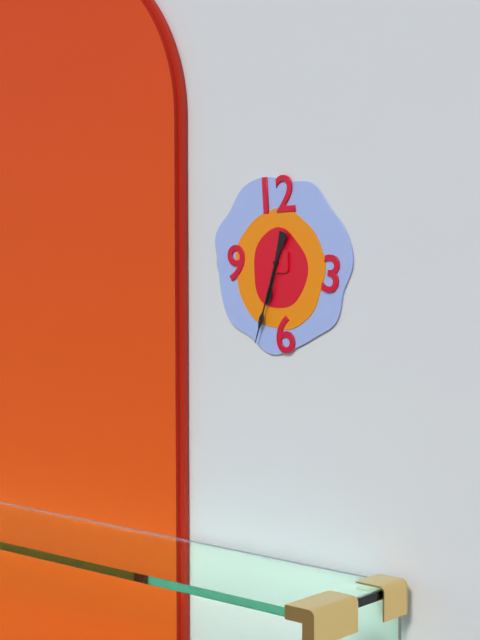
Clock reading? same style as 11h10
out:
6h33
